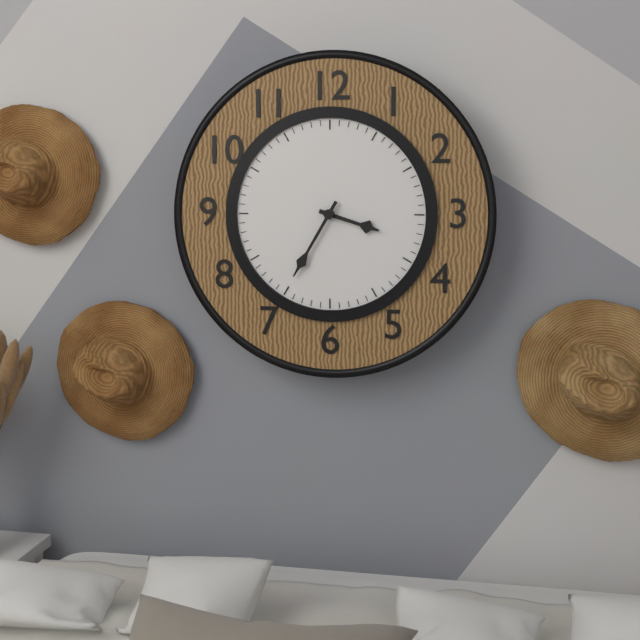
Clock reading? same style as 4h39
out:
3h35
